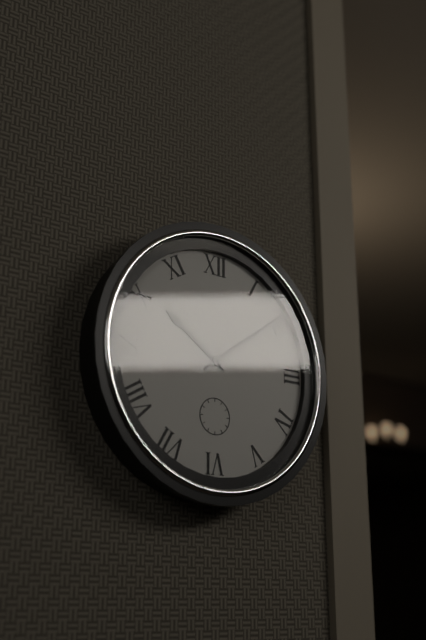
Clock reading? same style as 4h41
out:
10h09
